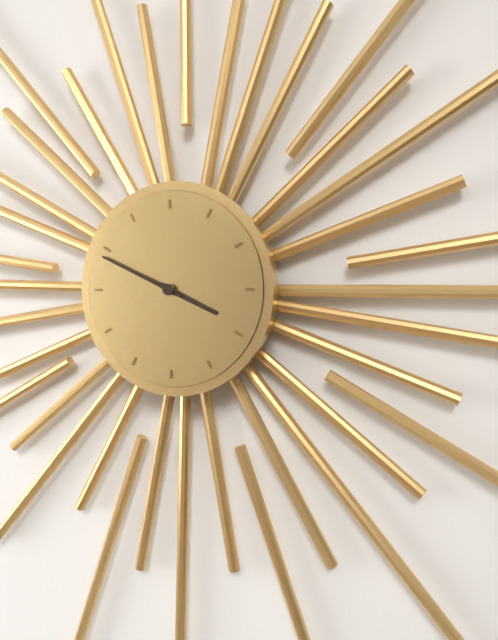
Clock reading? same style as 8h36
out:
3h49
